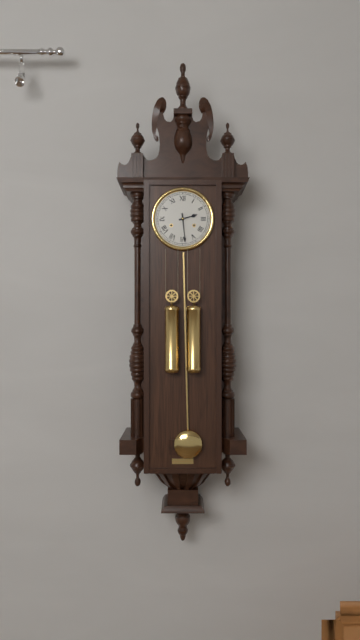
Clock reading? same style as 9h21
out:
2h29
